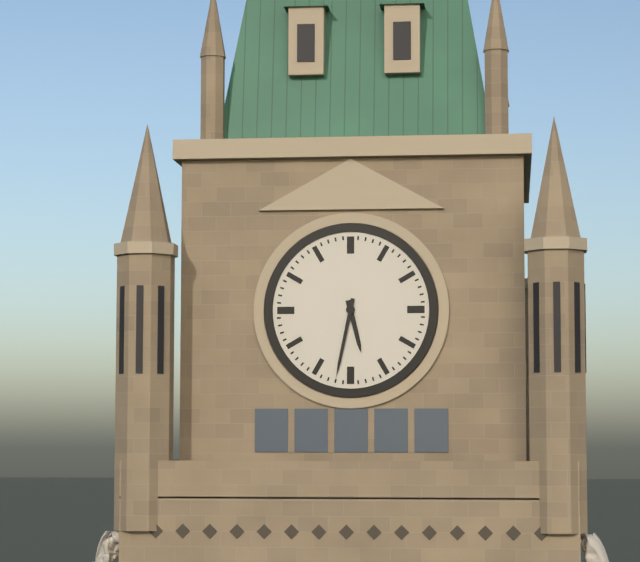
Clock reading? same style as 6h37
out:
5h32
